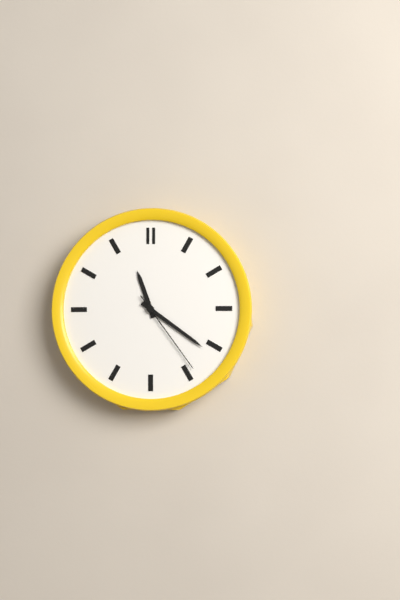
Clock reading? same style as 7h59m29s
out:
11h21m24s
